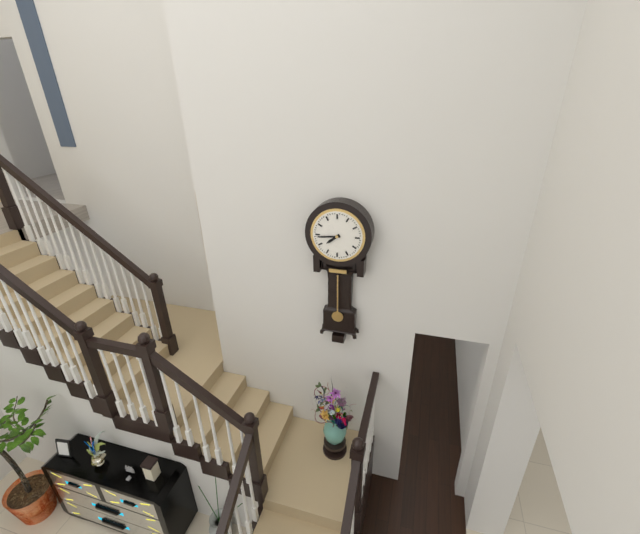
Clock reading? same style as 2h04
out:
7h44
